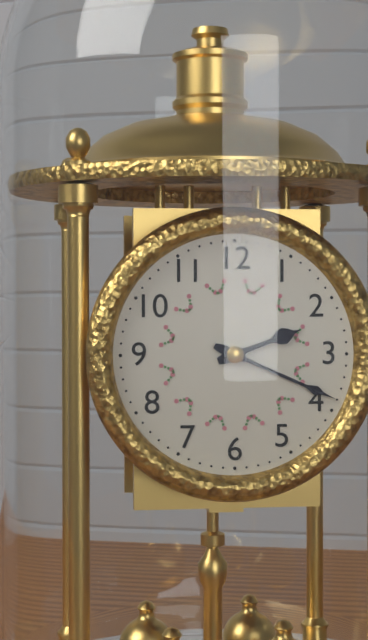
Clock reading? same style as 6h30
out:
2h19
